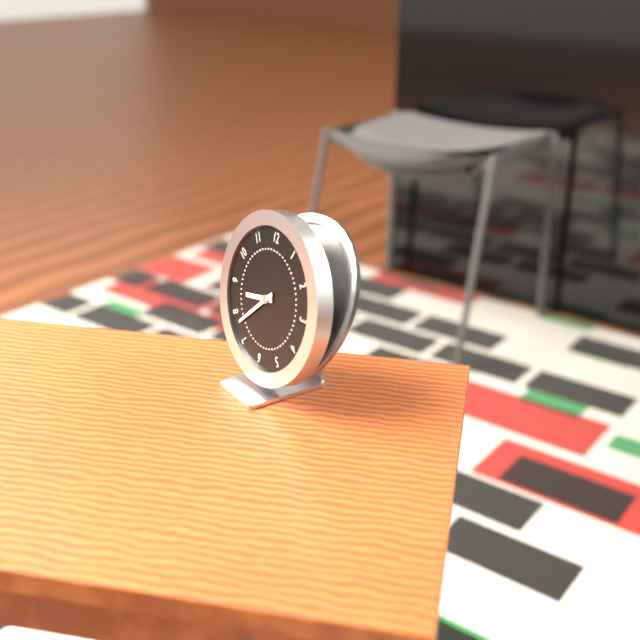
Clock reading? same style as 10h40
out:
8h38
